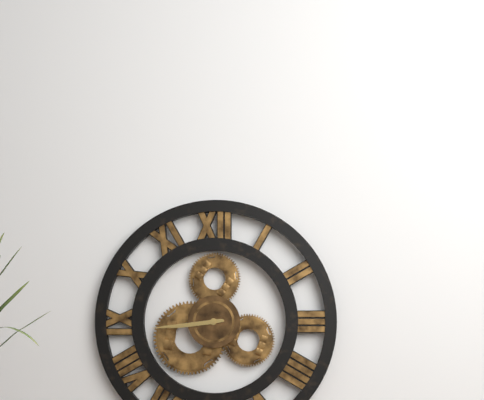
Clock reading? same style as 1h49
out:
8h44
